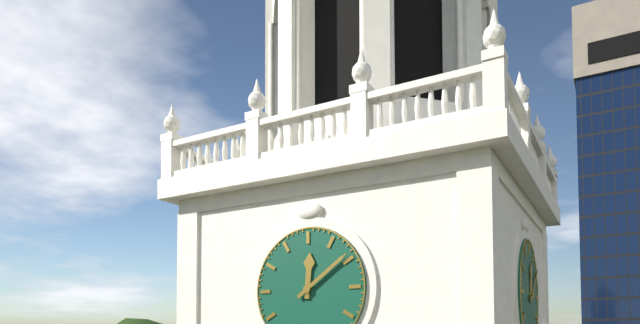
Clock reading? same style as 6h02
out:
12h09
